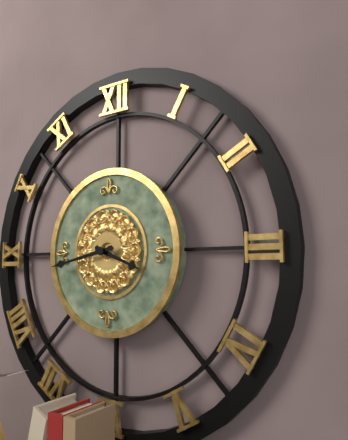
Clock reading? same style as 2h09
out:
3h43
